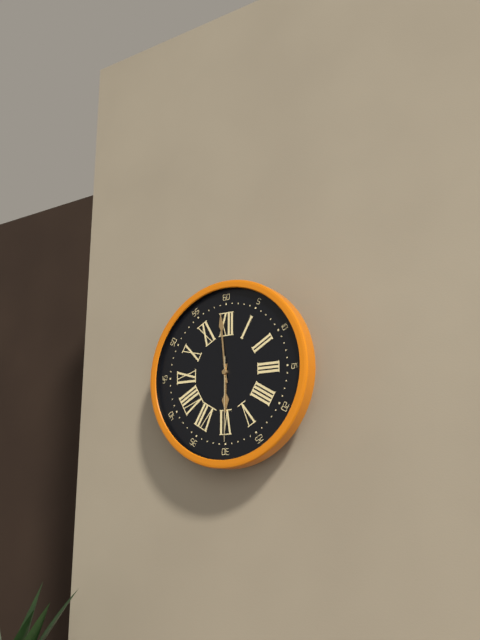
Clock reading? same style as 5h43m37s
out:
5h59m30s
